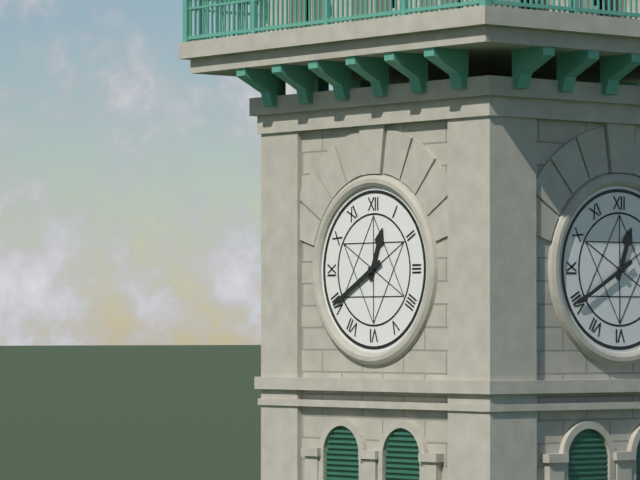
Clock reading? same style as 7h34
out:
12h40
